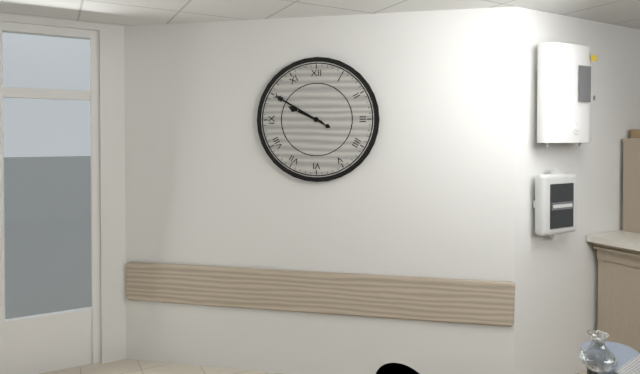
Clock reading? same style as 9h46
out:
9h50
